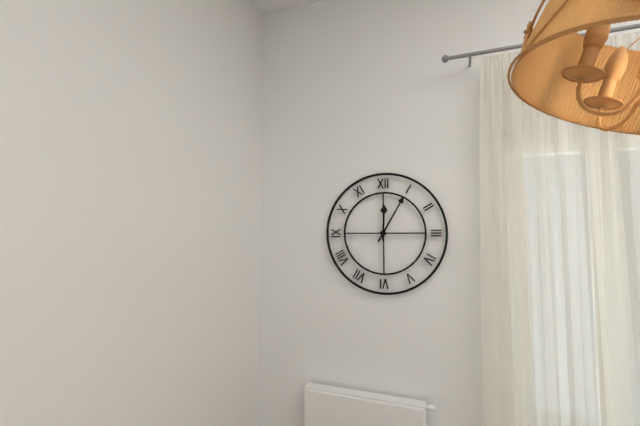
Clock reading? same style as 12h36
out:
12h05
